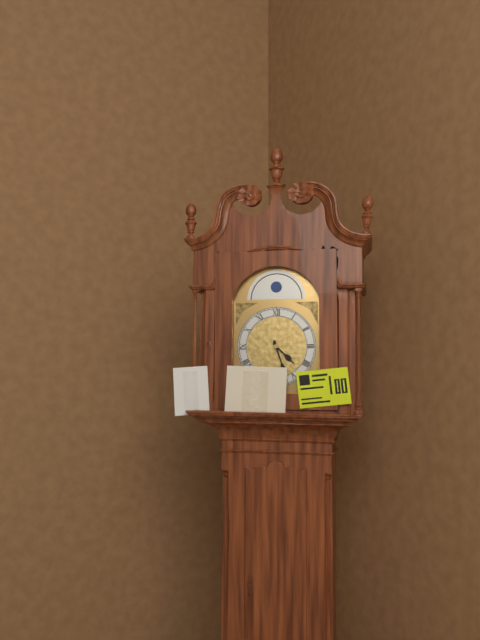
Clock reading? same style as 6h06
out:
4h27
